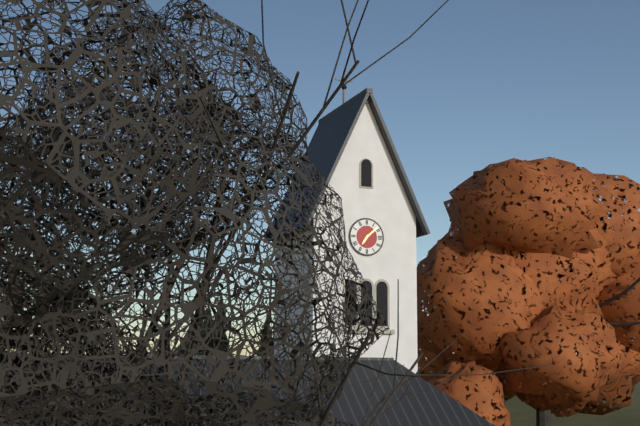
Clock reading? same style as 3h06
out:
7h08
